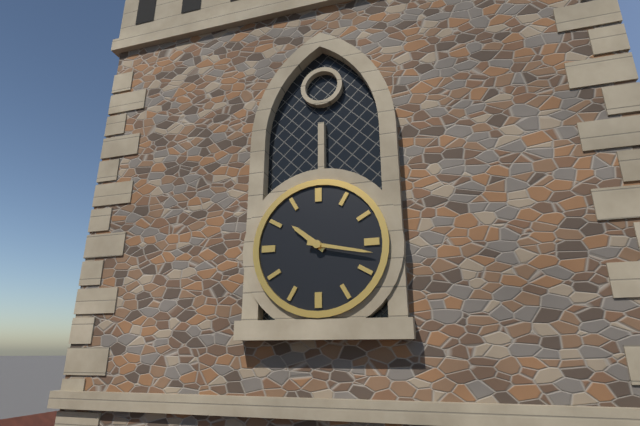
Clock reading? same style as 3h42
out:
10h17
